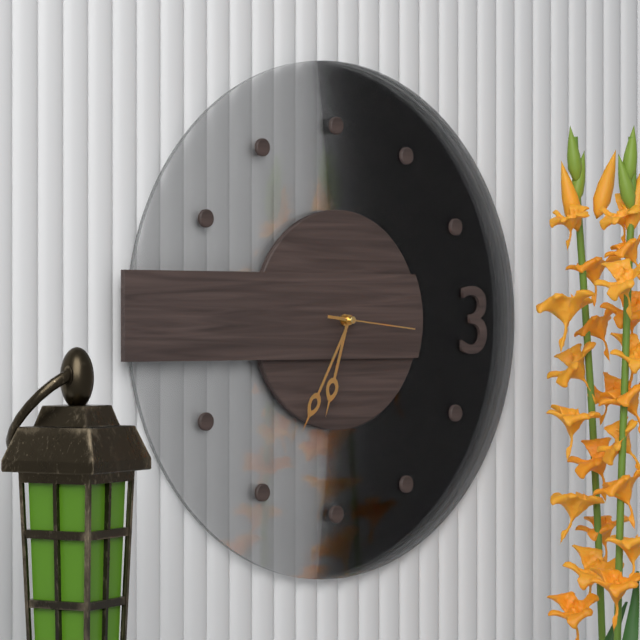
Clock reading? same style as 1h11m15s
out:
6h35m16s
